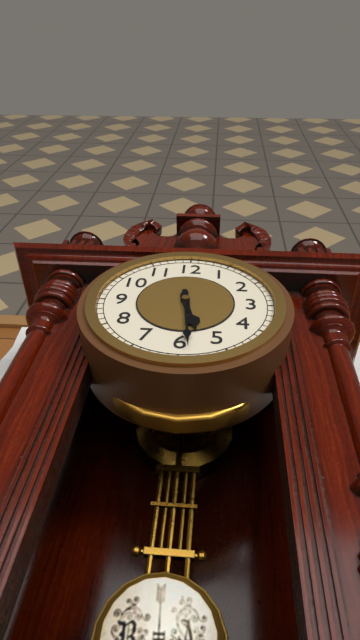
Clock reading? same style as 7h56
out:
5h29
